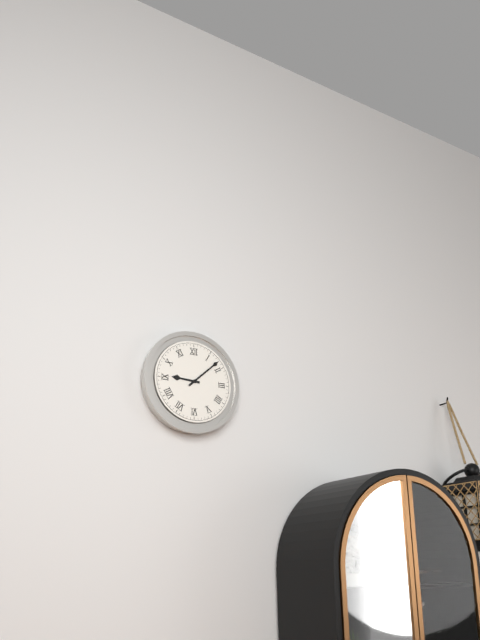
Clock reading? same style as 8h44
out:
9h08
